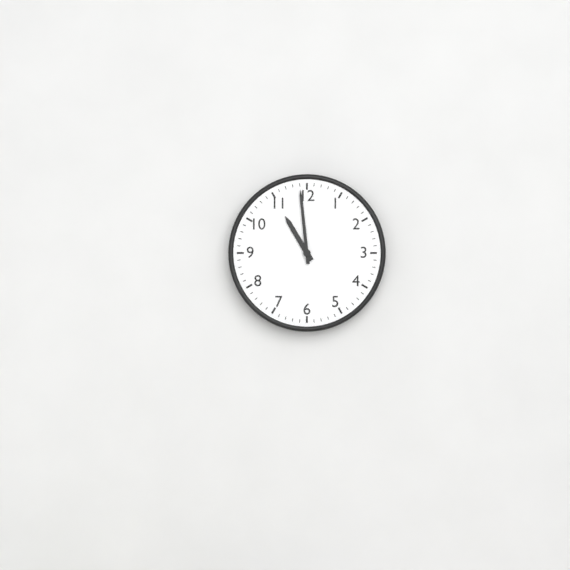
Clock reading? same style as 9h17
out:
10h59
